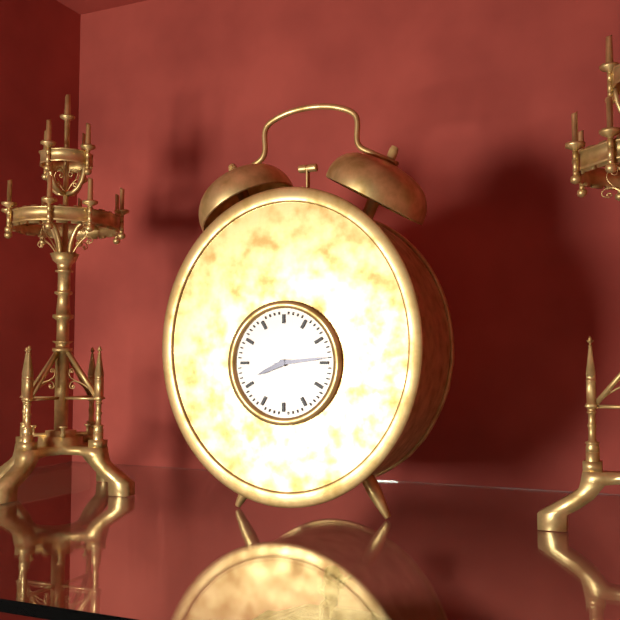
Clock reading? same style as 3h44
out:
8h14
